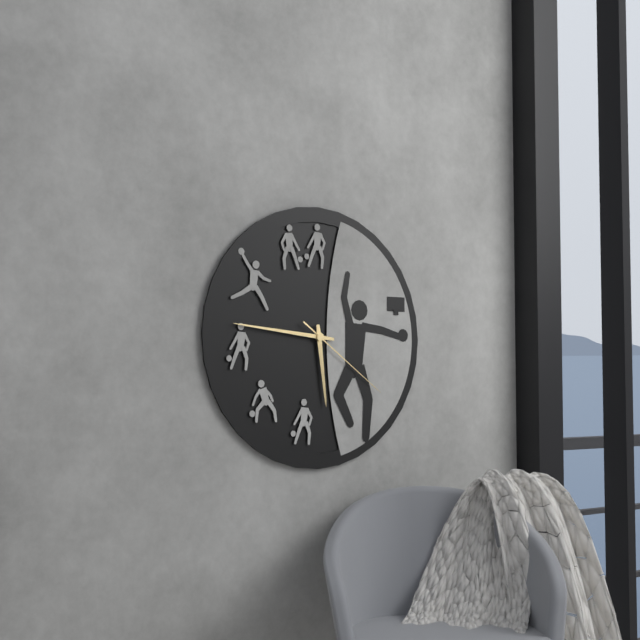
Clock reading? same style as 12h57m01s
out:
5h46m21s
